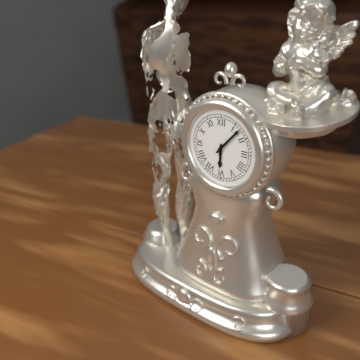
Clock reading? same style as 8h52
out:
6h07
